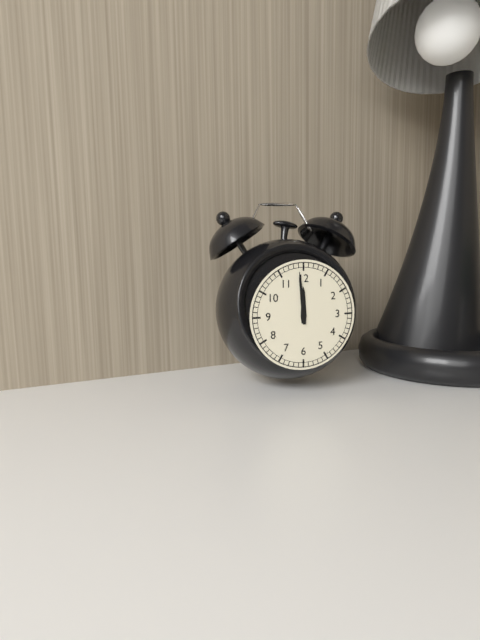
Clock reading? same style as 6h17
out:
11h59
